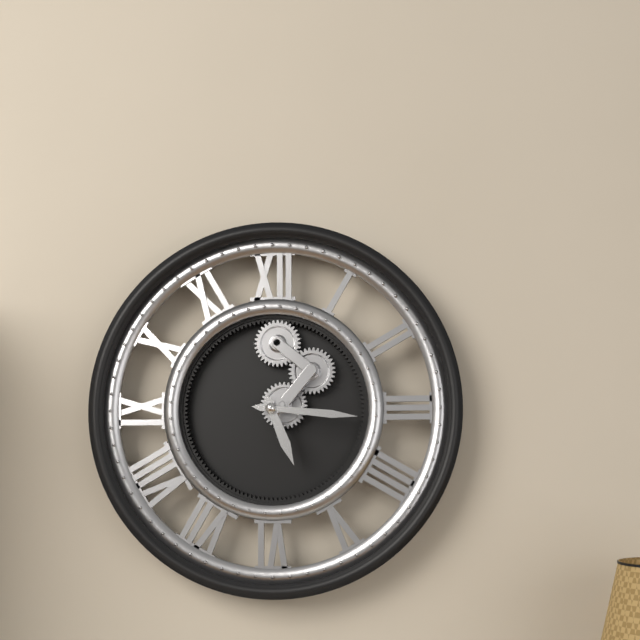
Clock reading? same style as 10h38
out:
5h16
